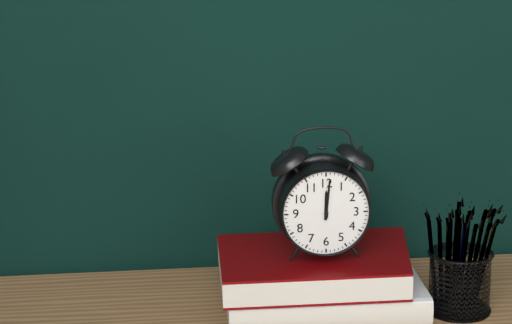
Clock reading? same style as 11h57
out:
12h01
